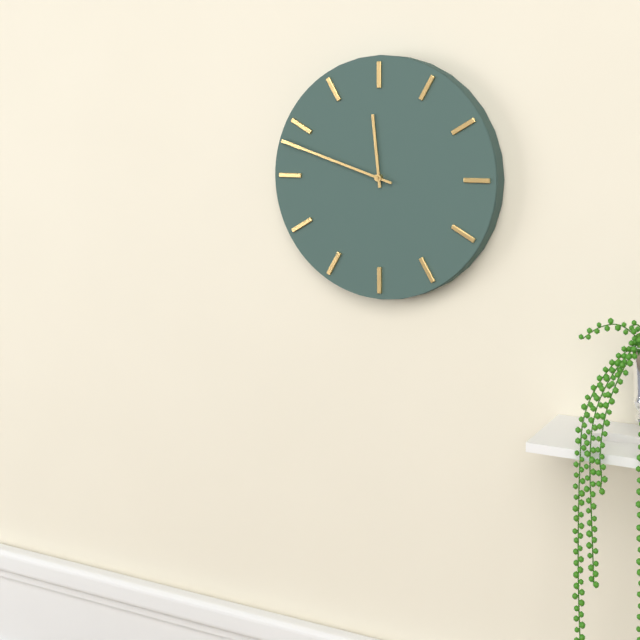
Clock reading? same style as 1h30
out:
11h48
